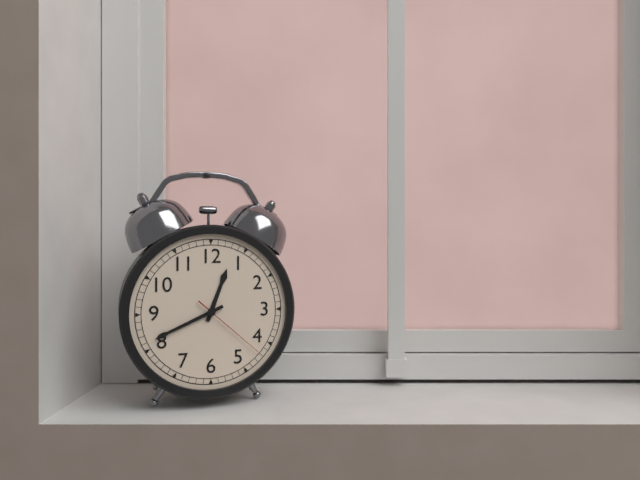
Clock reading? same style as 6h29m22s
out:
12h41m22s
